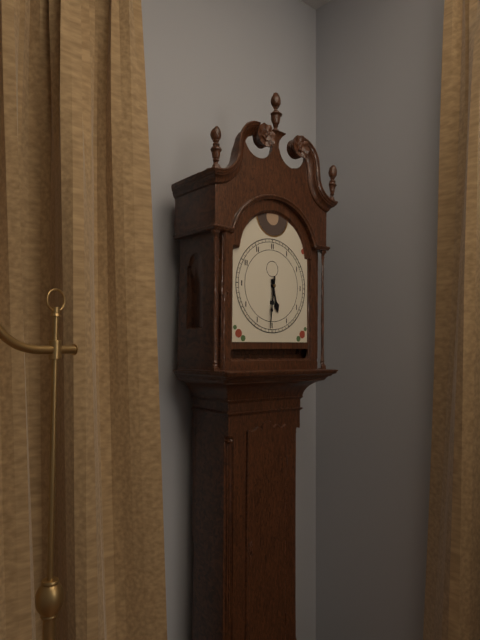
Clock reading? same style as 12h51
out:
5h31
